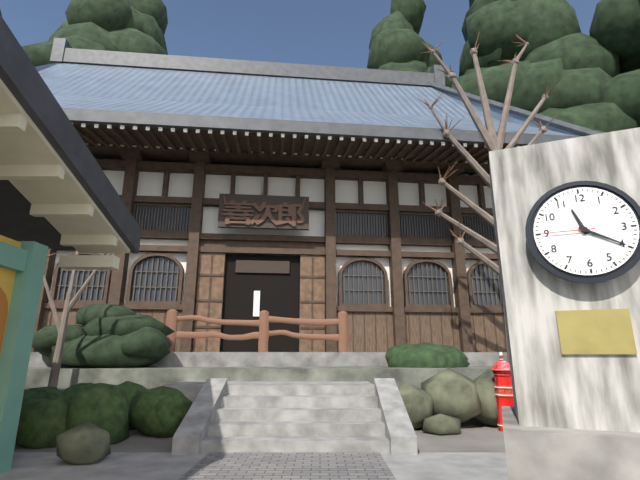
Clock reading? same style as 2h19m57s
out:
11h20m45s
